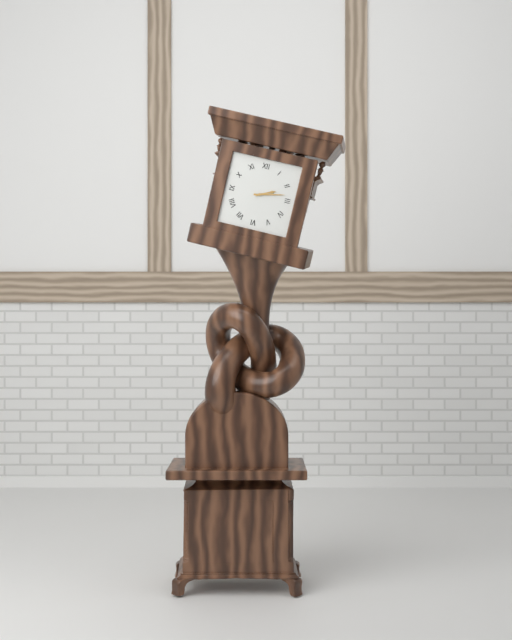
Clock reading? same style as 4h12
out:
2h13
